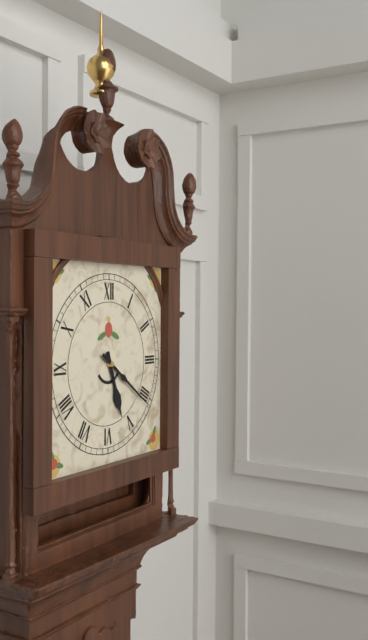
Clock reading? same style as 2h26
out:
5h21
